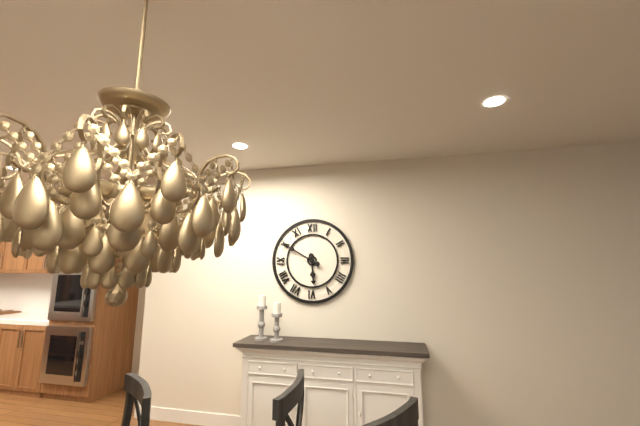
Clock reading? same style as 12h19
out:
5h50
